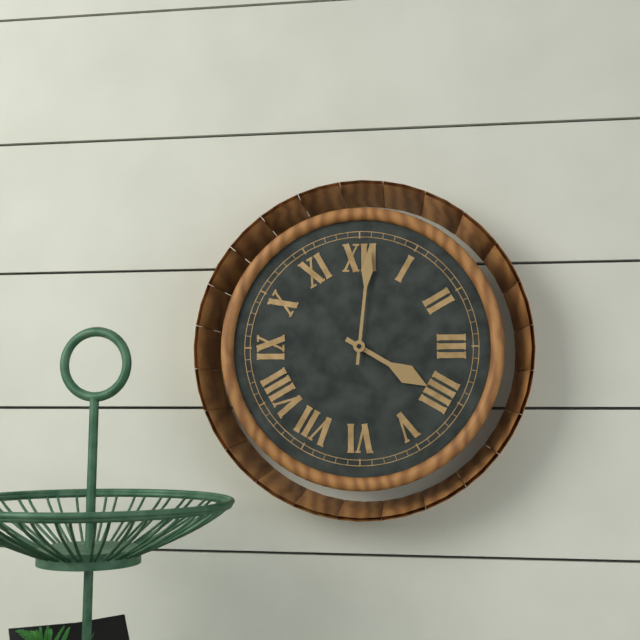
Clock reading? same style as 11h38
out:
4h01
